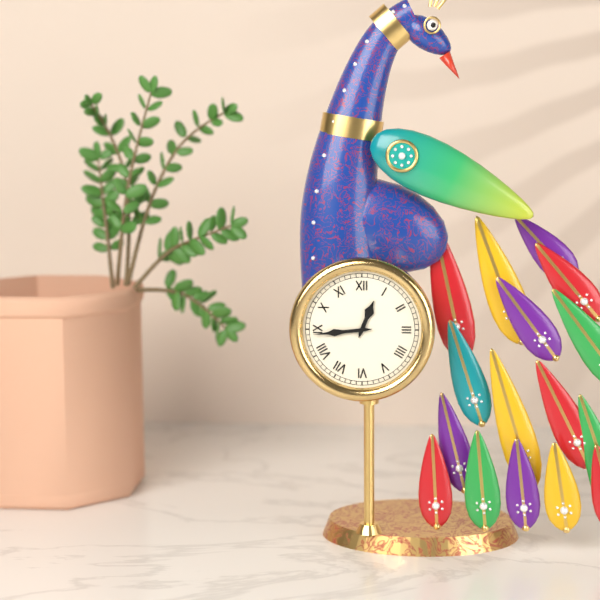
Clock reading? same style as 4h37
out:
12h44
